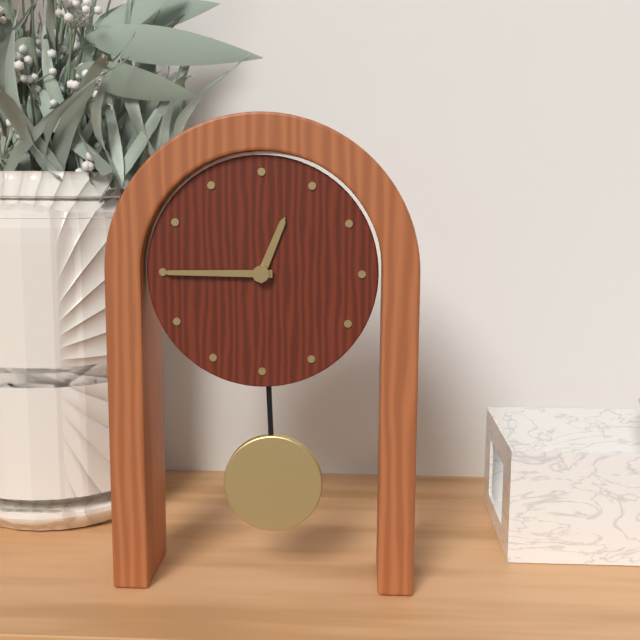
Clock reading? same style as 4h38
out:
12h45
